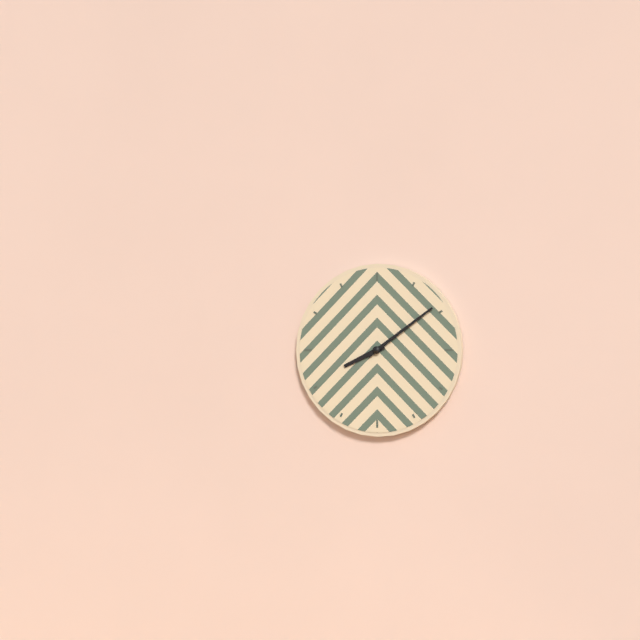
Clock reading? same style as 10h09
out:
8h09
